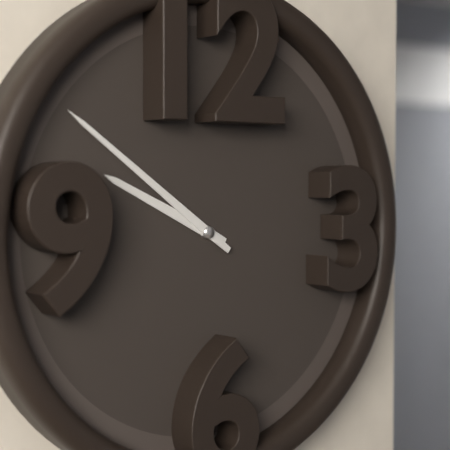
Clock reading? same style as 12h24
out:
9h51
